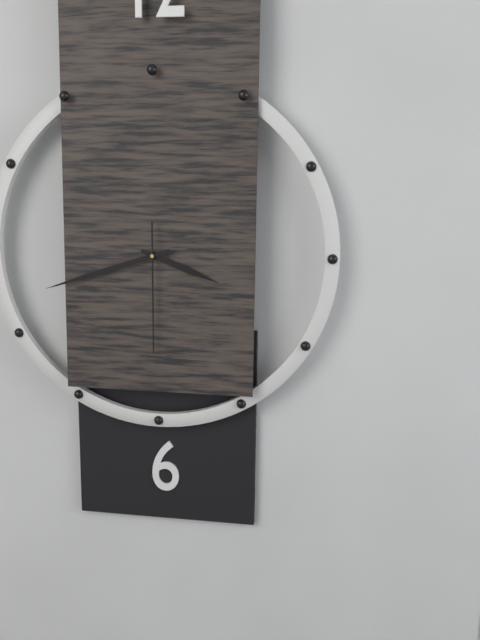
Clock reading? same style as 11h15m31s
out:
3h42m30s
